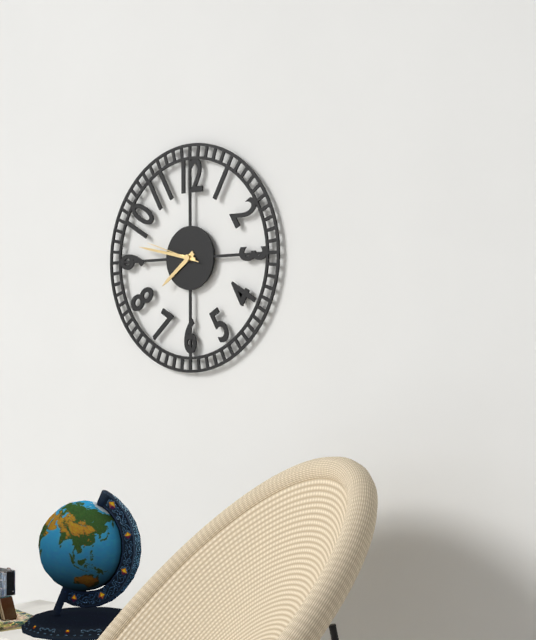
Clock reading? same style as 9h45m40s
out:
7h47m48s
